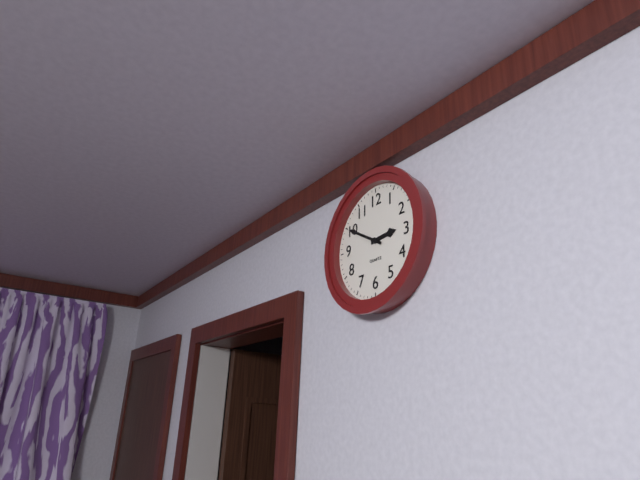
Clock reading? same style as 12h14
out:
2h50
